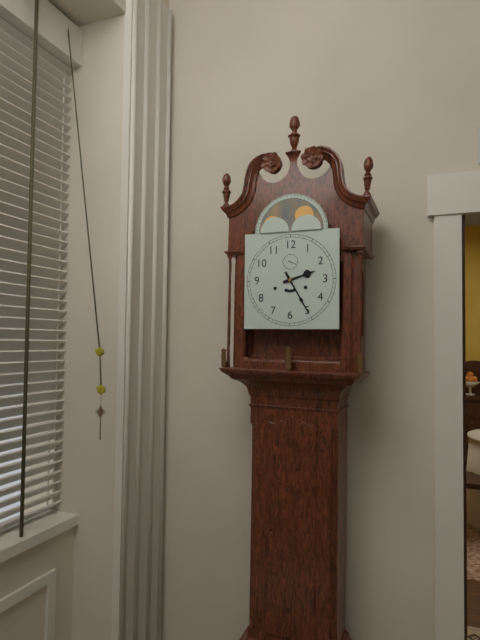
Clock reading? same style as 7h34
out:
2h25
